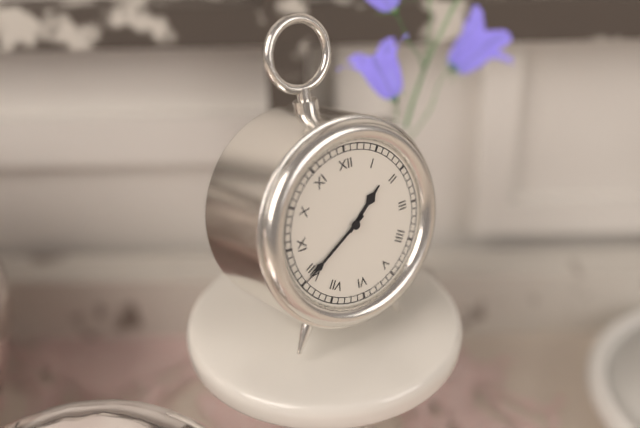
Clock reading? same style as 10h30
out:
1h40
